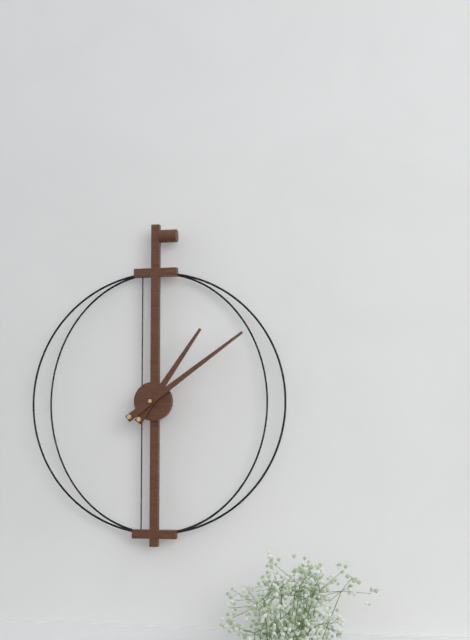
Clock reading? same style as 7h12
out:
1h09
